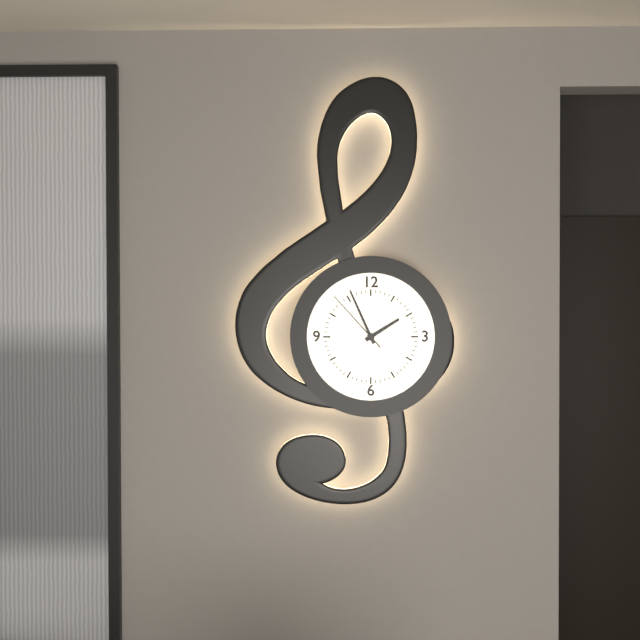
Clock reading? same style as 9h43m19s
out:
1h56m53s
